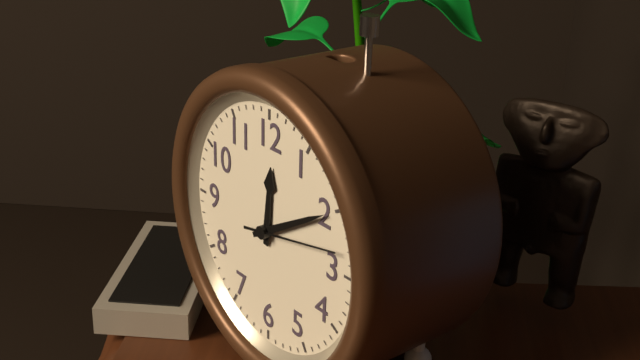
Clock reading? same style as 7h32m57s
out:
12h10m13s
